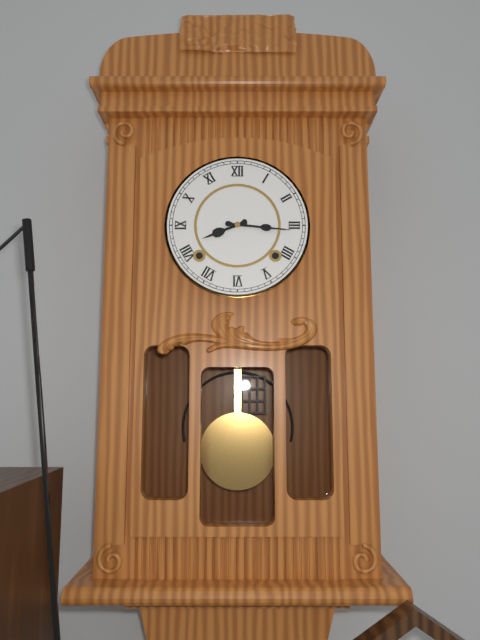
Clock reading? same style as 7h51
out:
8h16
